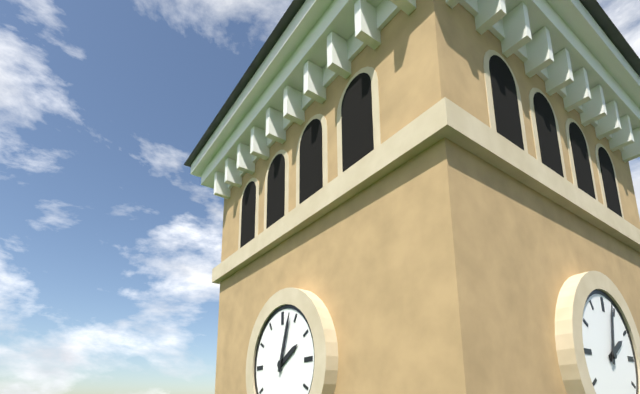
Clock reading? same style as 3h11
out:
2h03
